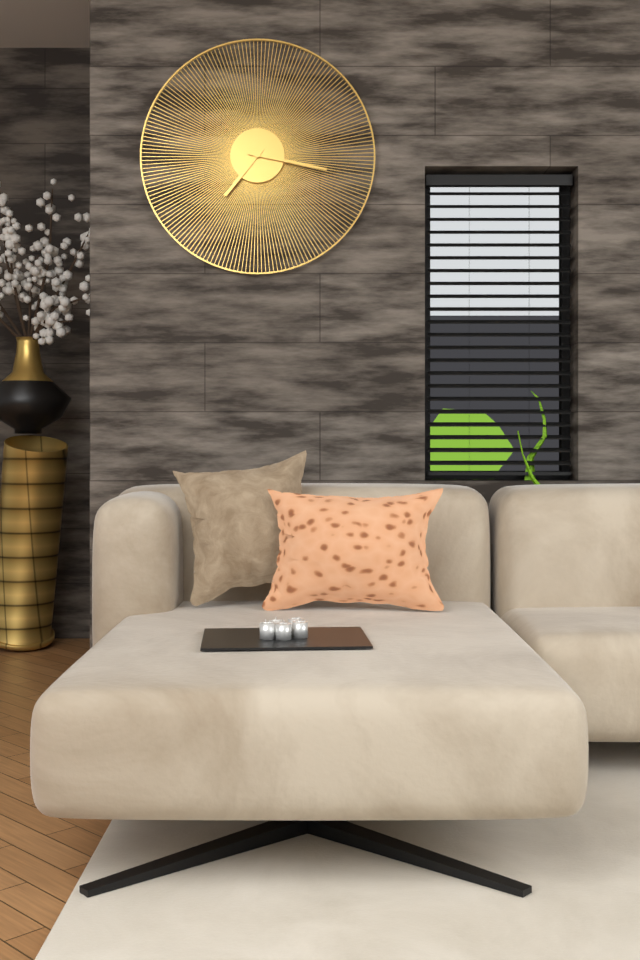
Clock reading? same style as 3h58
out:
7h17
